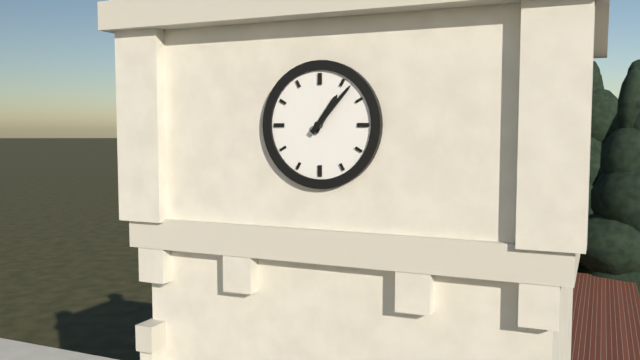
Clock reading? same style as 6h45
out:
1h07
